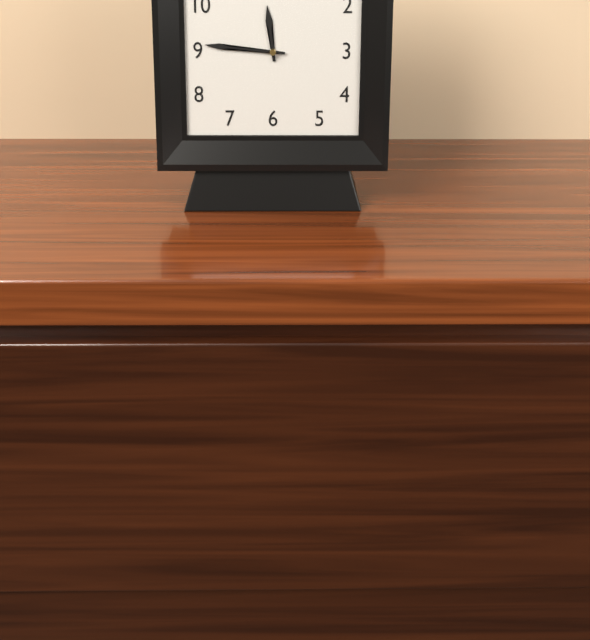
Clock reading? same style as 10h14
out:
11h46
